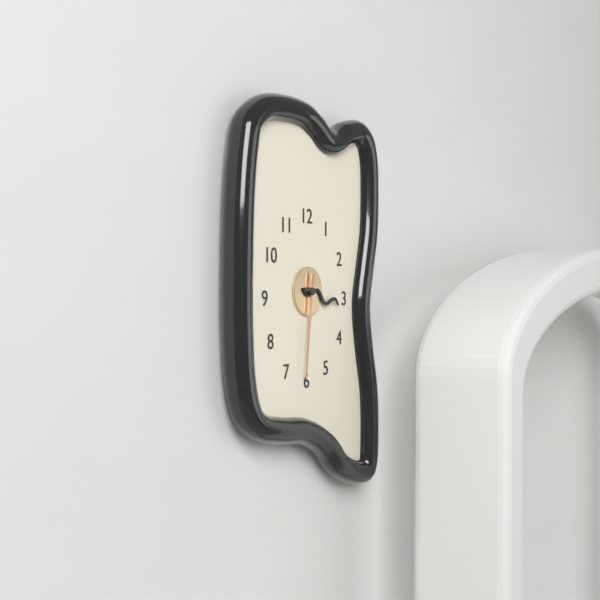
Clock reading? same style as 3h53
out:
3h31
